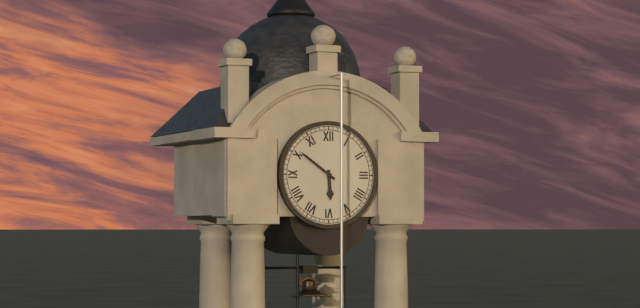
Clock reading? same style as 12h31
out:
5h51
